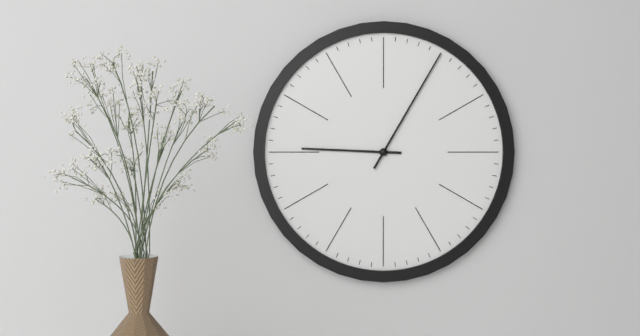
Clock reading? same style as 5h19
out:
9h05
